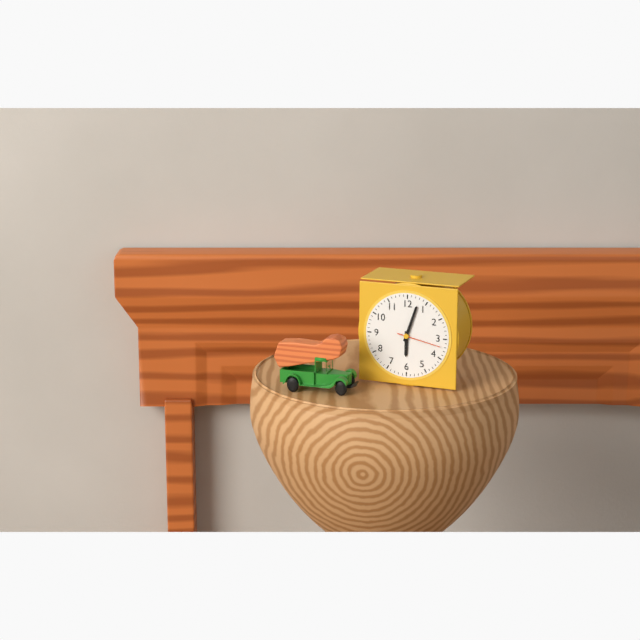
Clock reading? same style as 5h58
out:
6h03
